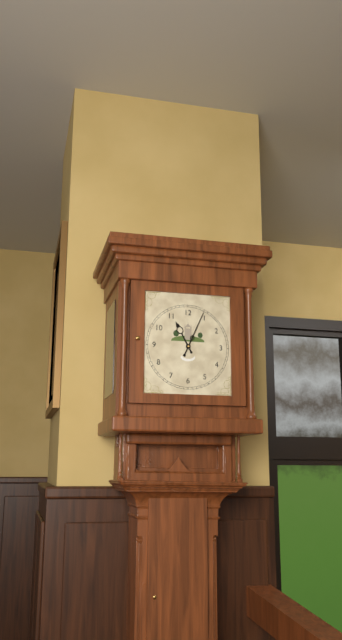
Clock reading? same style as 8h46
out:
11h04
